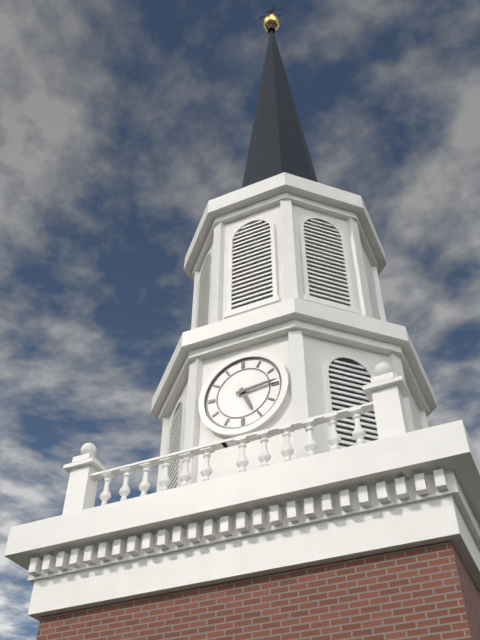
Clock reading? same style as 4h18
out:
5h14
